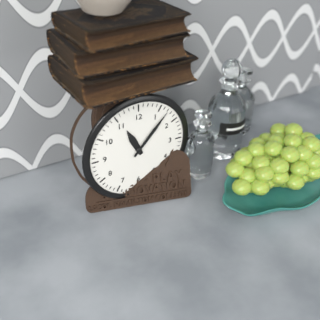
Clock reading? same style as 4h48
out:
11h07
